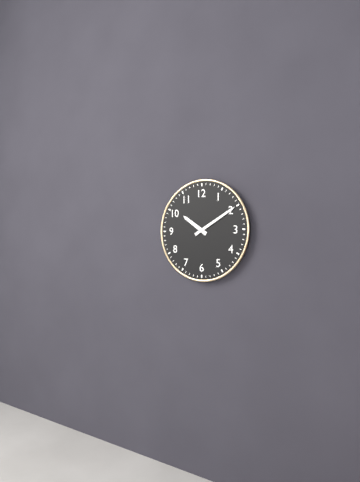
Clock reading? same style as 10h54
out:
10h10
